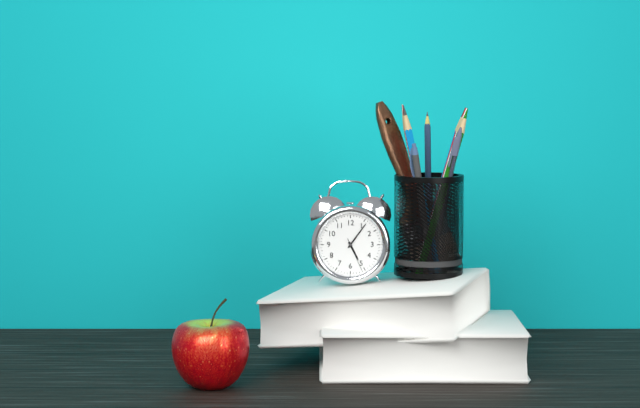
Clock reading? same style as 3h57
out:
5h06
